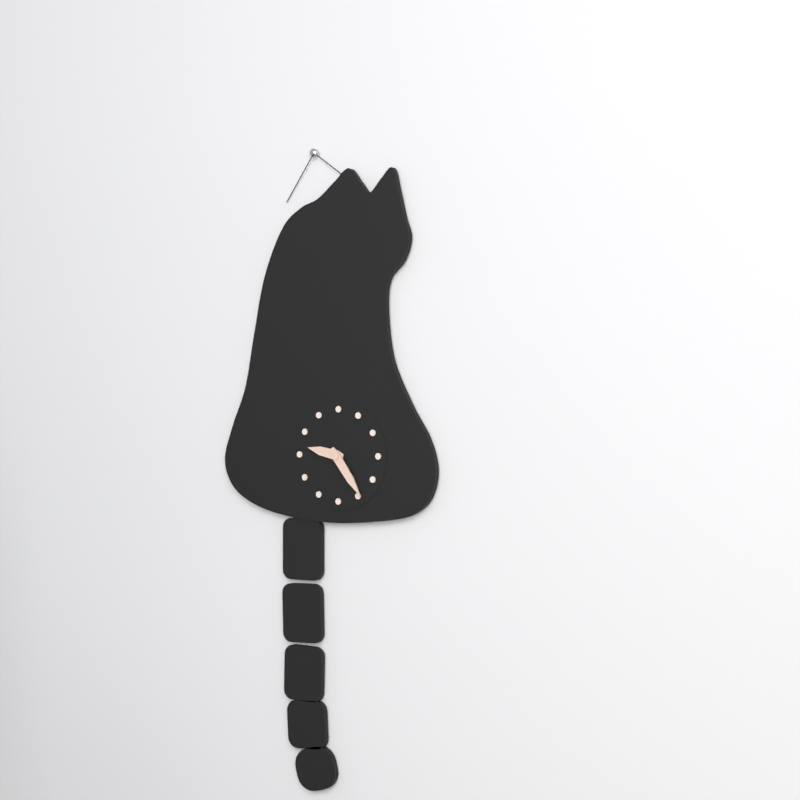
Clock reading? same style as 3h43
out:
9h24
